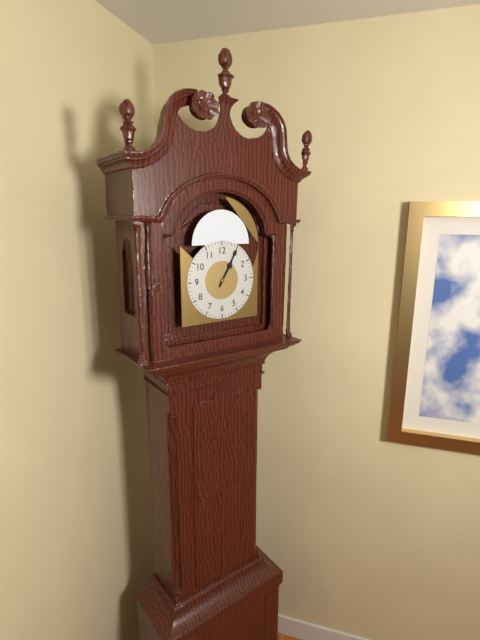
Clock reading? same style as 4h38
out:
1h05
